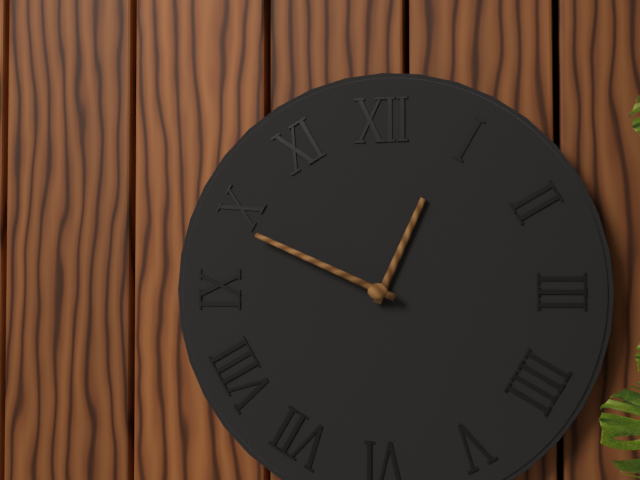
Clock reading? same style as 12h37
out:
12h49
